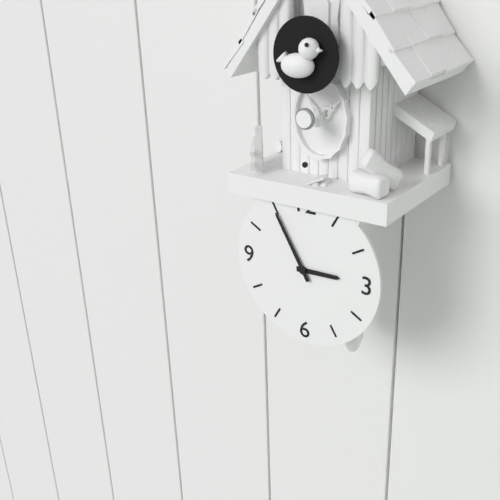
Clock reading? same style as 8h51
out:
2h55
